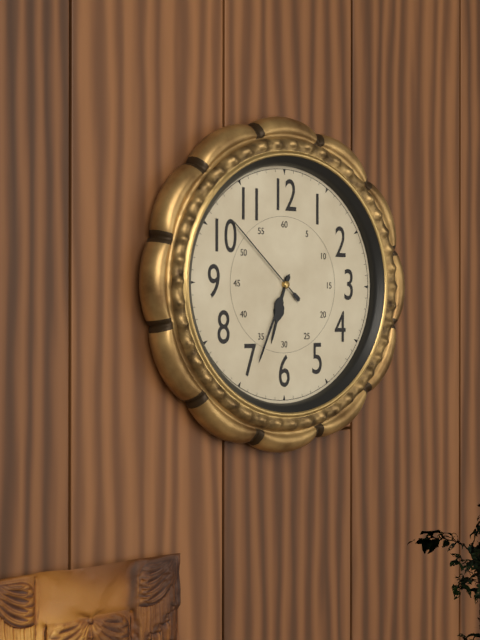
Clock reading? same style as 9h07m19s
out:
6h34m52s
